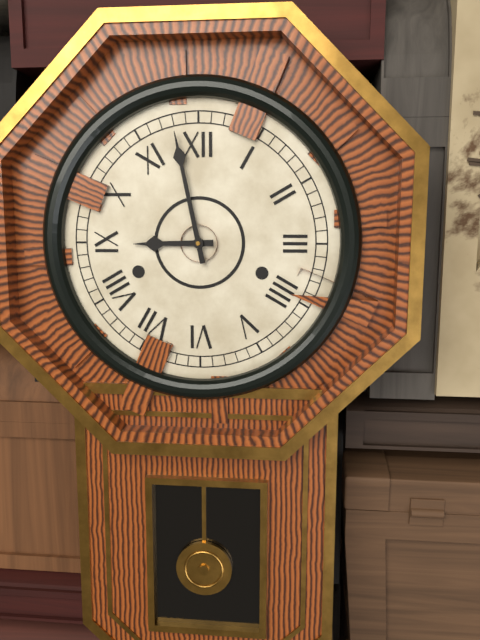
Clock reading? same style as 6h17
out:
8h58
